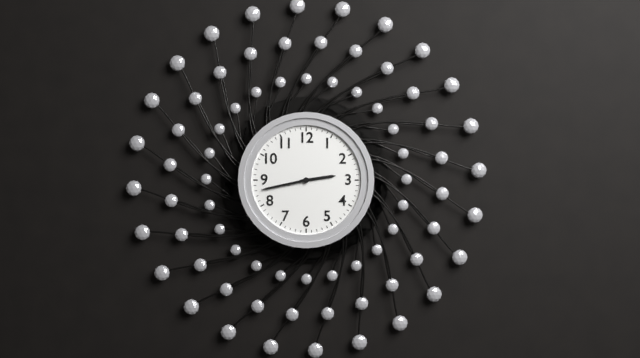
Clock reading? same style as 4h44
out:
2h43
